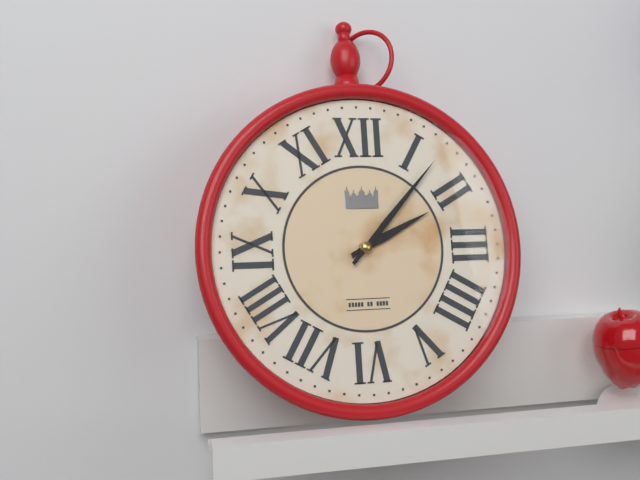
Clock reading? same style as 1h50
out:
2h07
